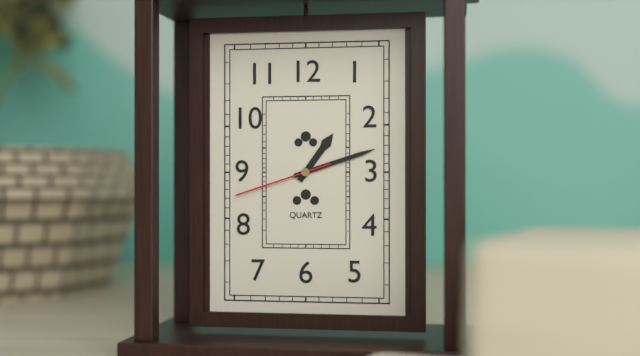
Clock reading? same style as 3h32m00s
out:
1h12m42s
